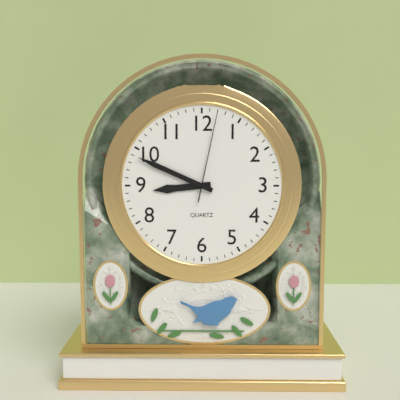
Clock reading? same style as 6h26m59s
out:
8h49m02s
